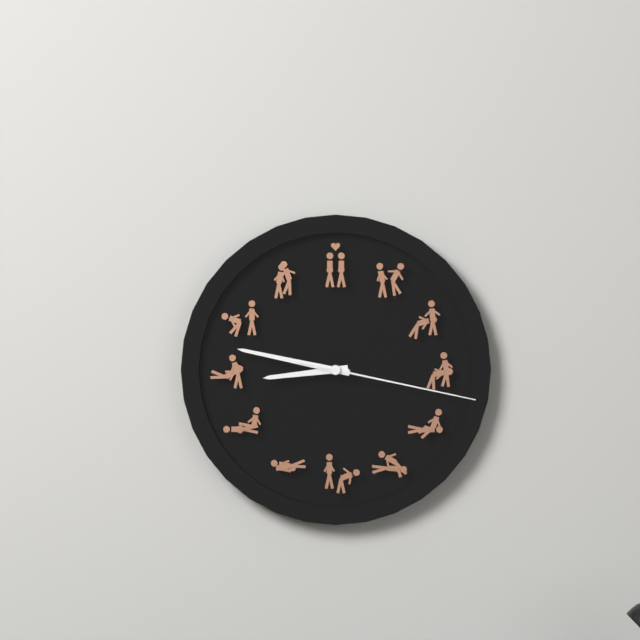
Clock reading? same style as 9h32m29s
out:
8h47m17s
